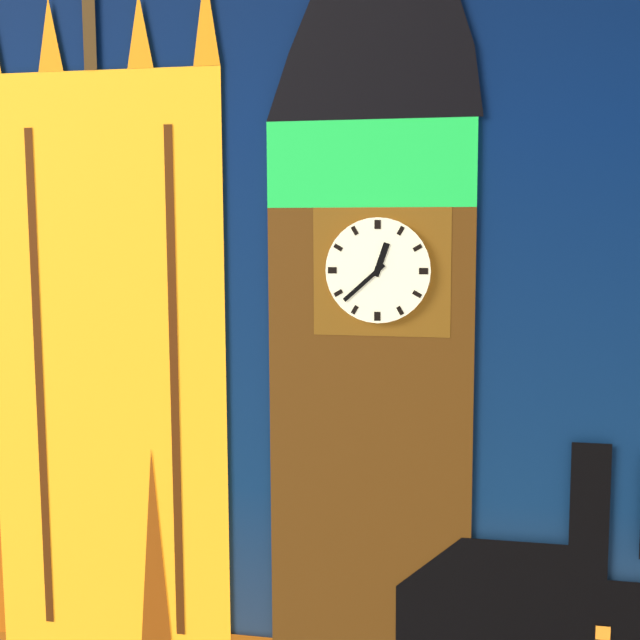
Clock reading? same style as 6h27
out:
12h38
